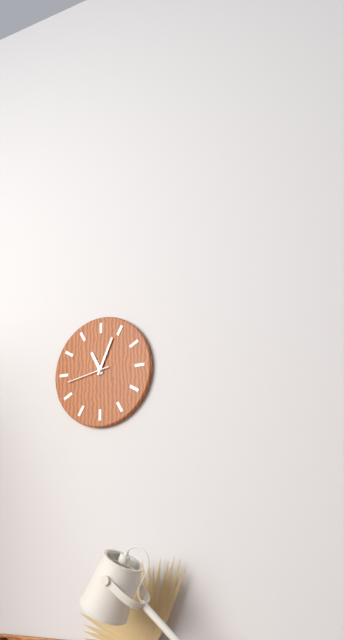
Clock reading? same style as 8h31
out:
11h04
